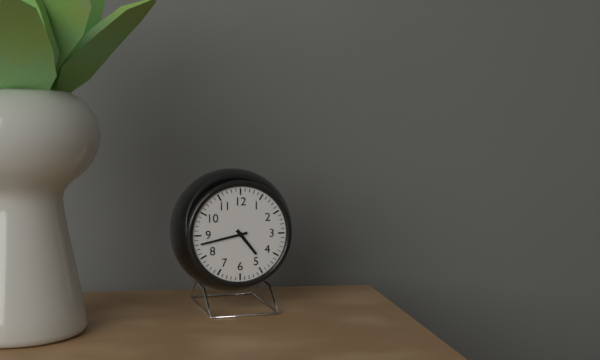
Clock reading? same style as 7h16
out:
4h43
